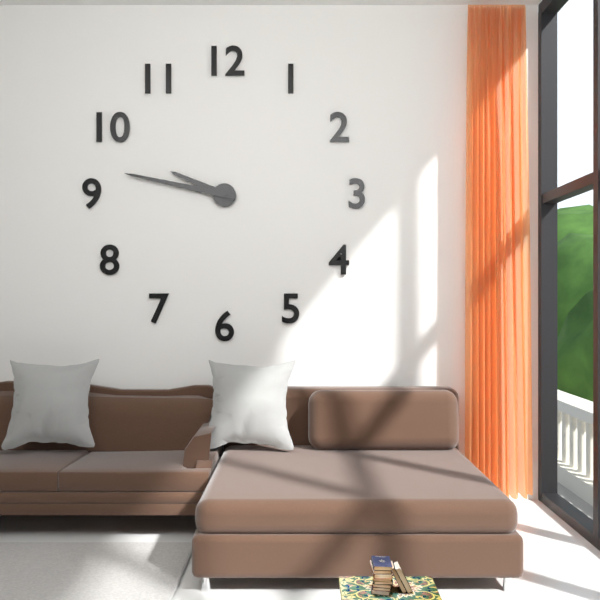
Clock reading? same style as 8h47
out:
9h47
